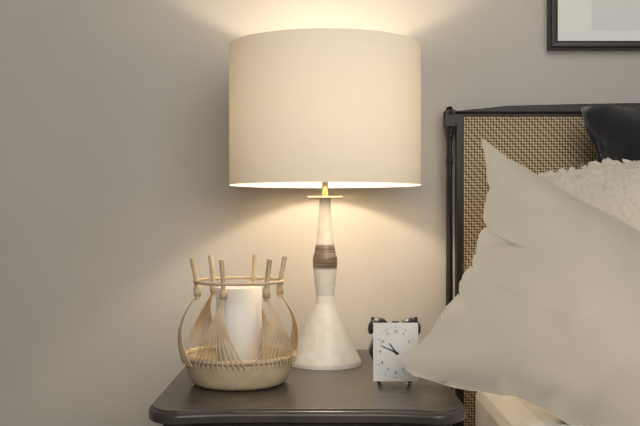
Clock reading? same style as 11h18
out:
10h49
